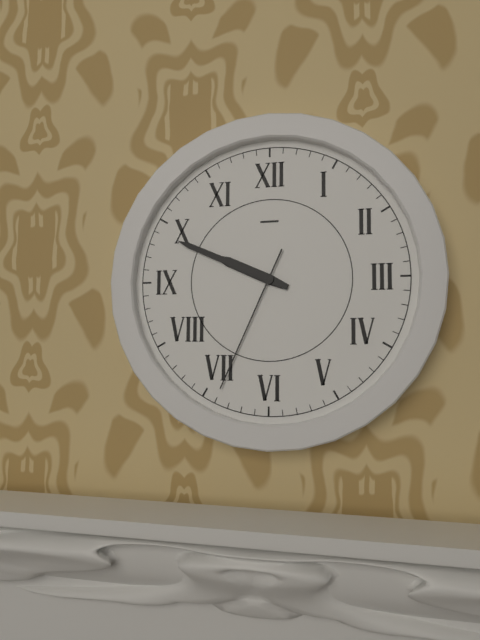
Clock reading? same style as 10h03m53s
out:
9h49m34s
